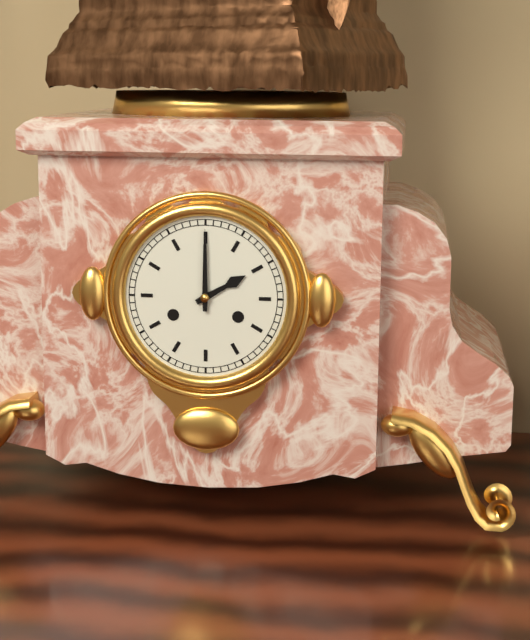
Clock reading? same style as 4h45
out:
2h00
